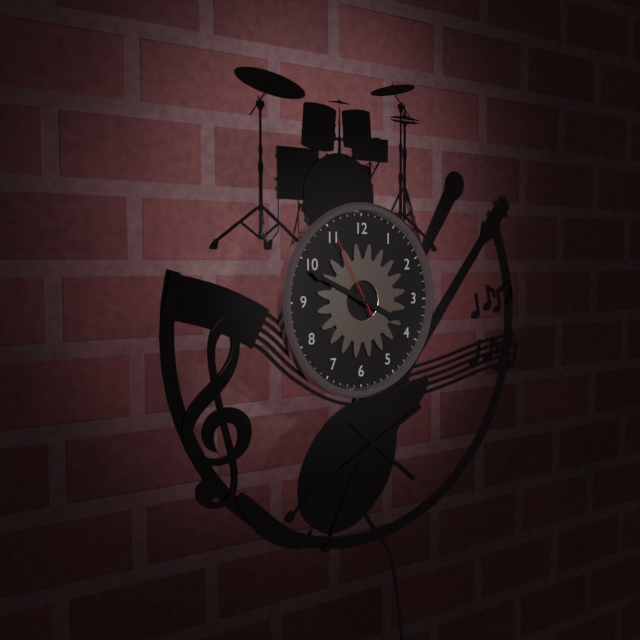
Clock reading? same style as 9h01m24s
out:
3h49m55s
